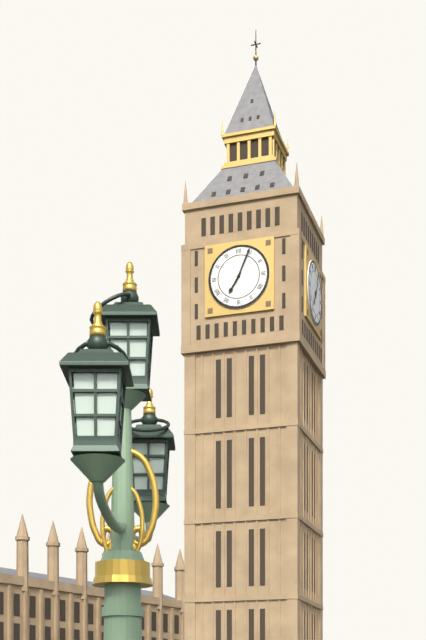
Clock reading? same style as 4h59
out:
7h04
